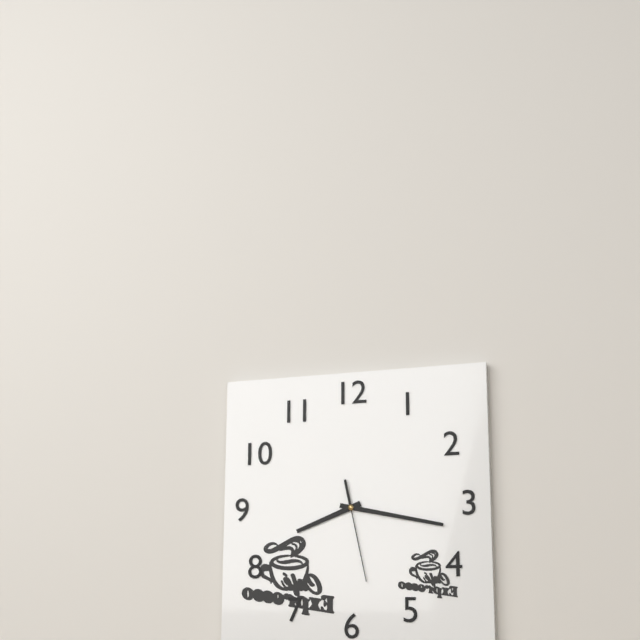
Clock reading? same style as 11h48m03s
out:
8h17m28s
